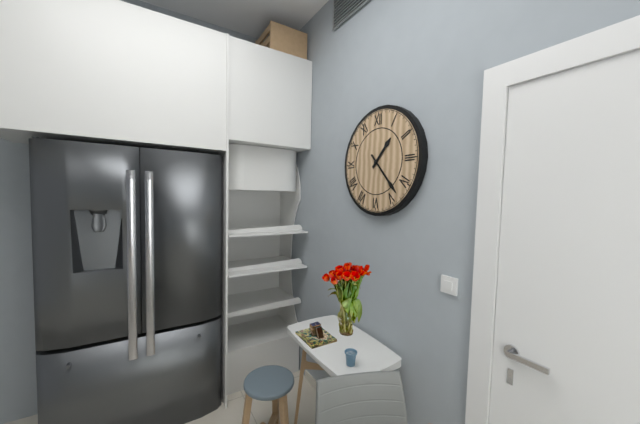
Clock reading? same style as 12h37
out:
1h23
